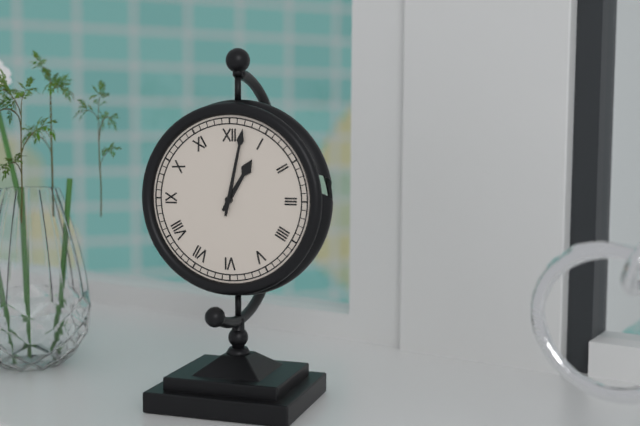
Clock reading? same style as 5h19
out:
1h02
